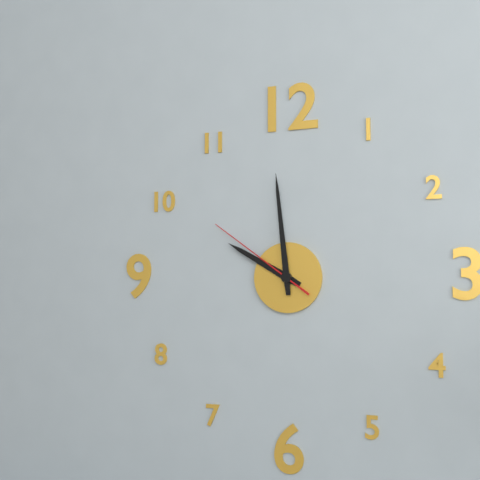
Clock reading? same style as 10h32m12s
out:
9h59m51s
